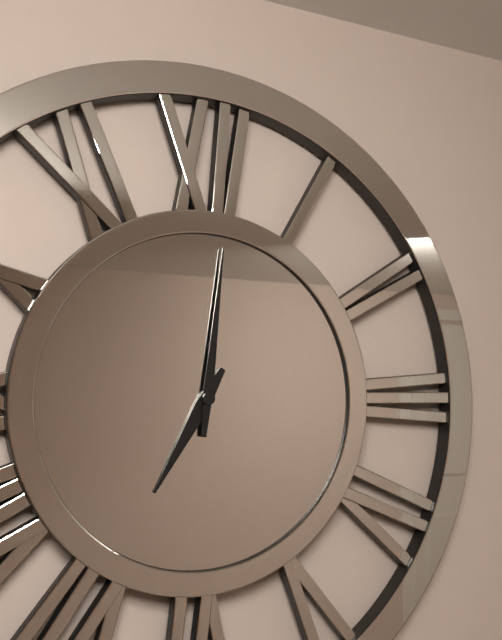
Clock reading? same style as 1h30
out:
7h01
